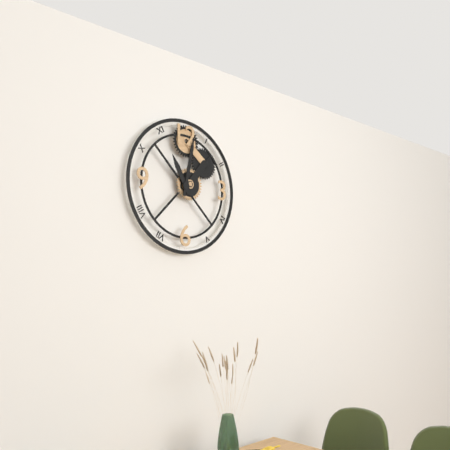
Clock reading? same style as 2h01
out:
11h02
